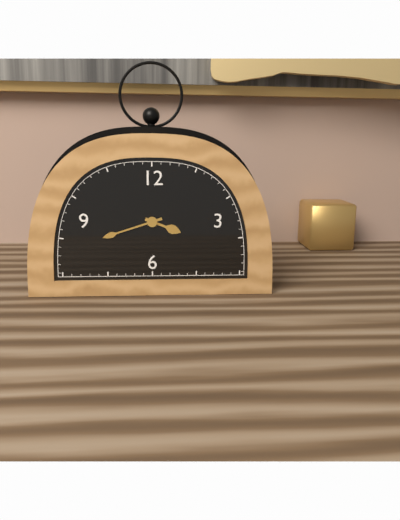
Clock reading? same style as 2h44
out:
3h42
